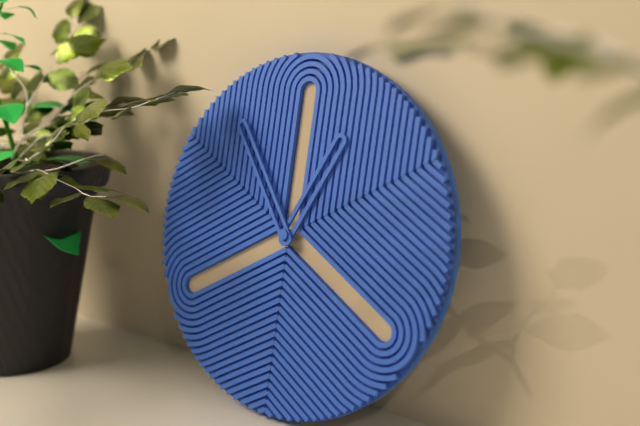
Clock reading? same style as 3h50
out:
12h54
